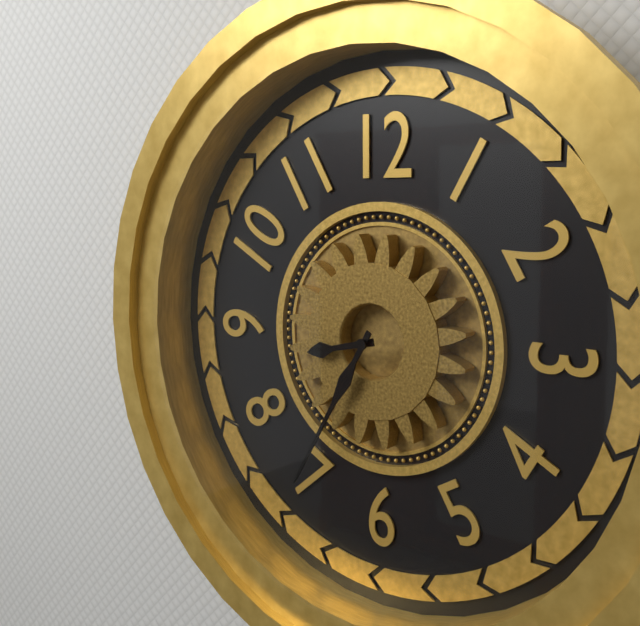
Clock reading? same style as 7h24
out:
8h35
